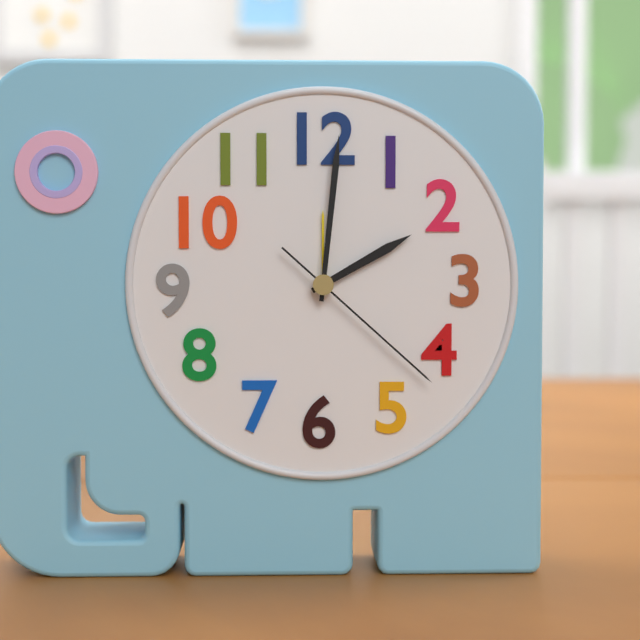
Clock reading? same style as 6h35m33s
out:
2h01m22s
